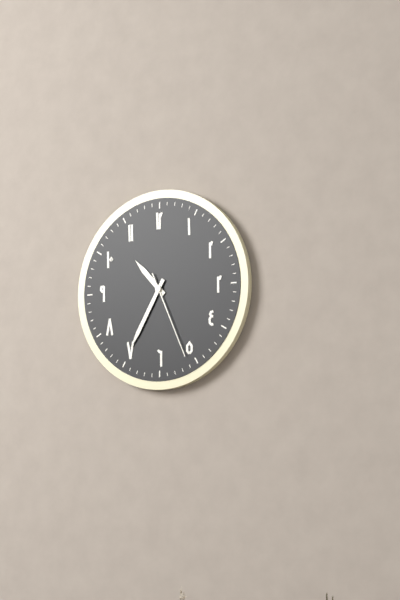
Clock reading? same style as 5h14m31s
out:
10h35m26s
